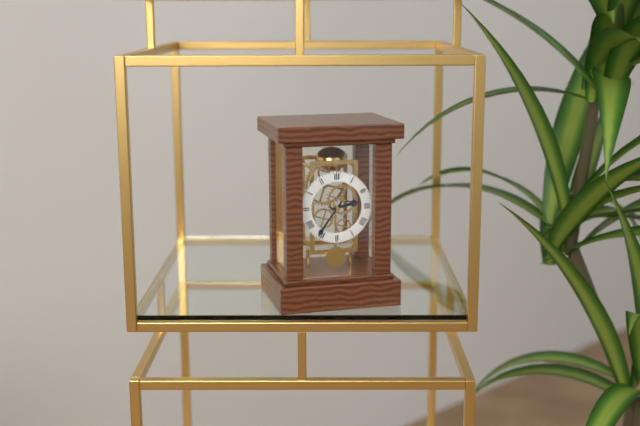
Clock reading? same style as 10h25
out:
2h36
